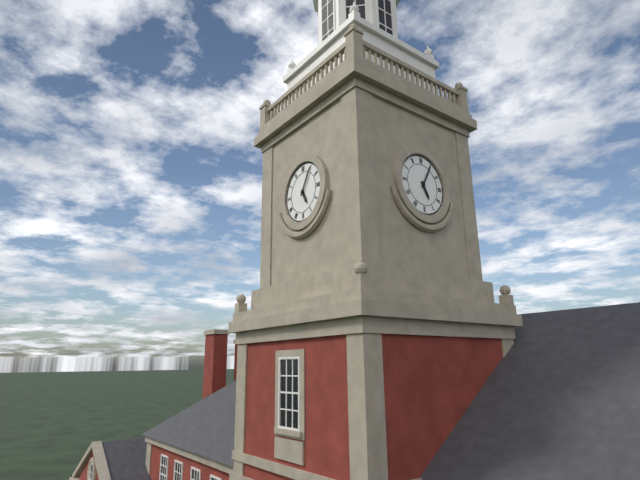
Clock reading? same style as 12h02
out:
5h05
